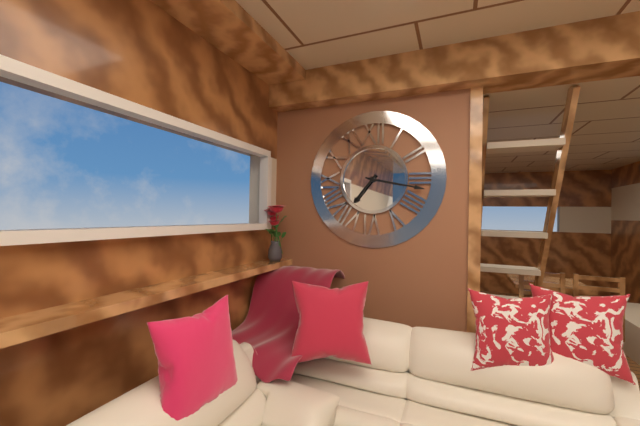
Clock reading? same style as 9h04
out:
7h17
